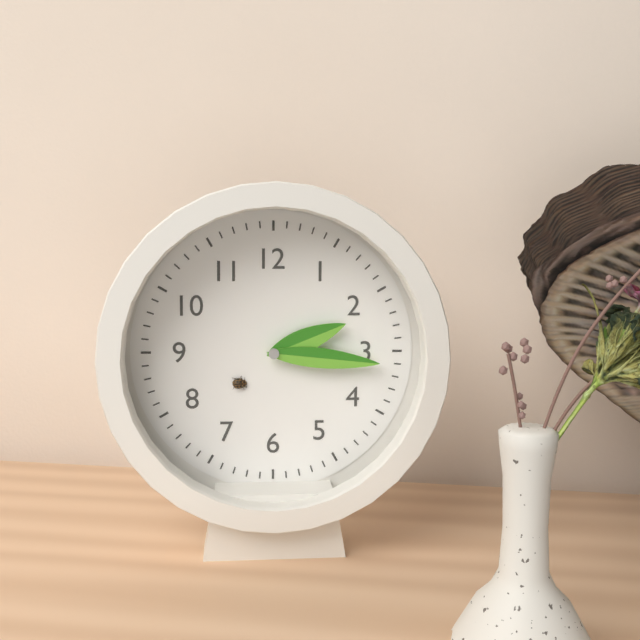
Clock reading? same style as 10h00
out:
2h16
